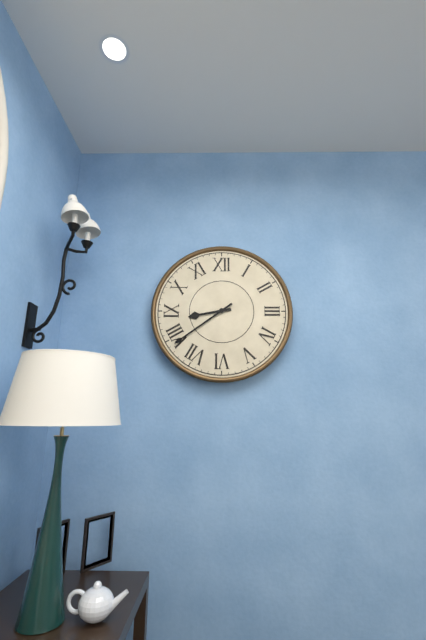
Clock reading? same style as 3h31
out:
8h39
